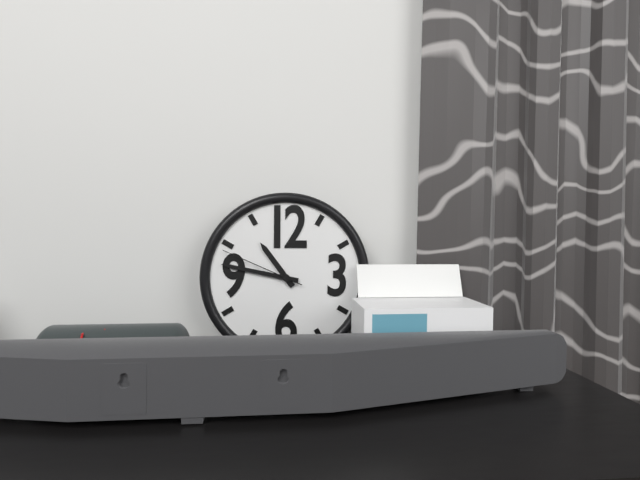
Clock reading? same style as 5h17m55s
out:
10h47m49s
